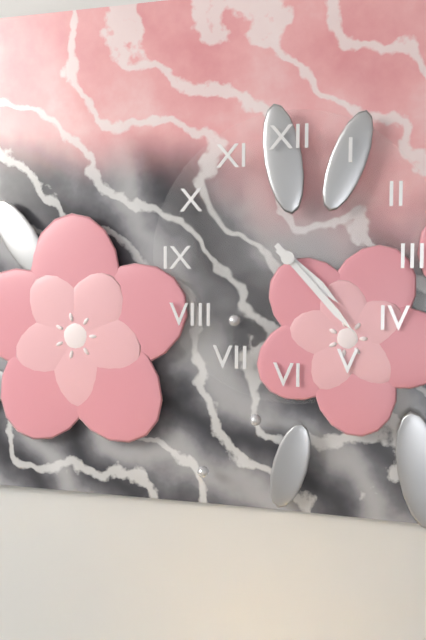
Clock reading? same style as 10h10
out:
4h23
